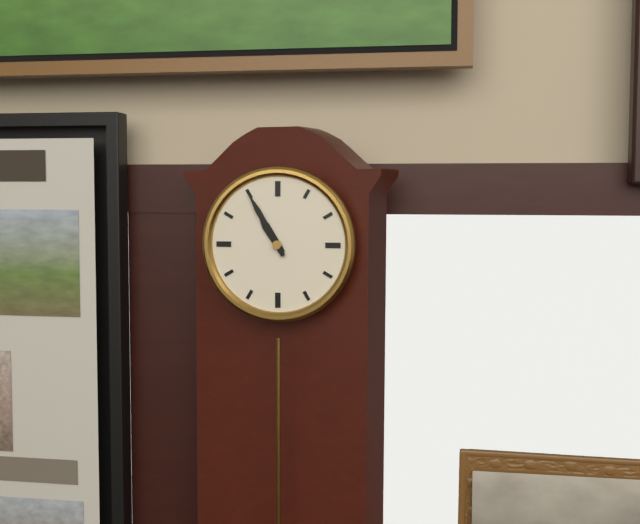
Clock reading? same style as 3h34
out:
10h55
